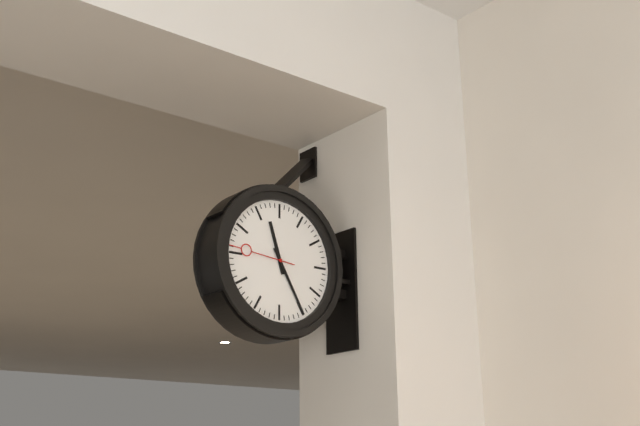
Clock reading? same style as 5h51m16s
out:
11h25m46s
